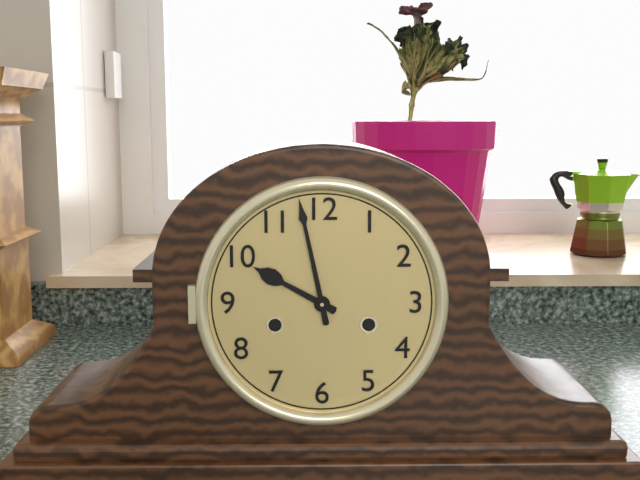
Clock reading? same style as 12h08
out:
9h58
